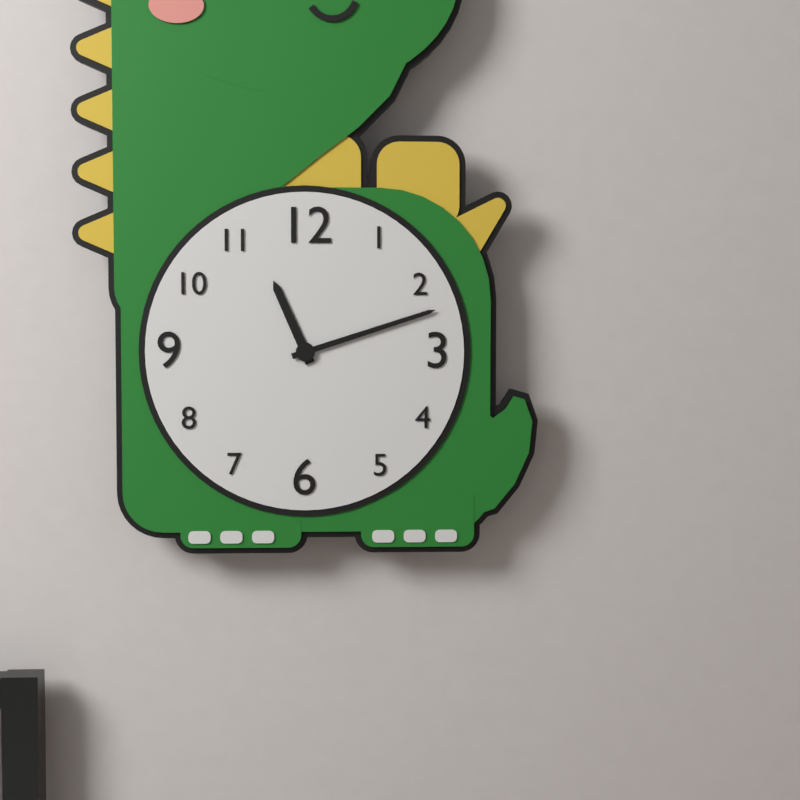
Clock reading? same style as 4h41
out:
11h12
